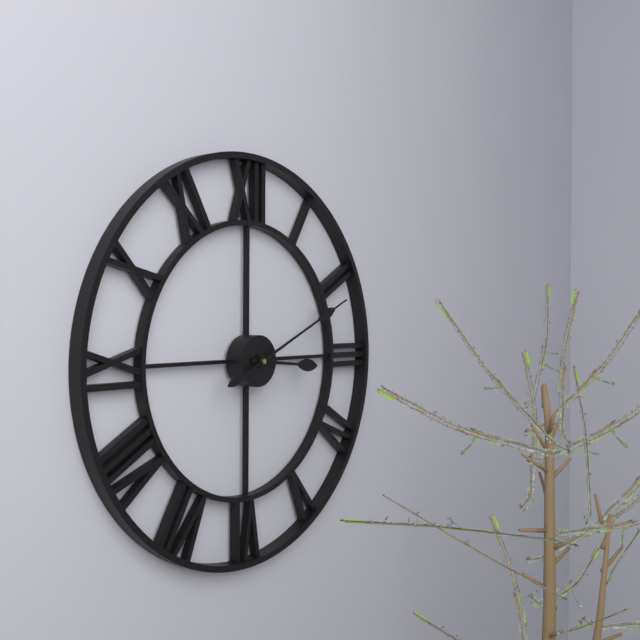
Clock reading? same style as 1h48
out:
3h11
